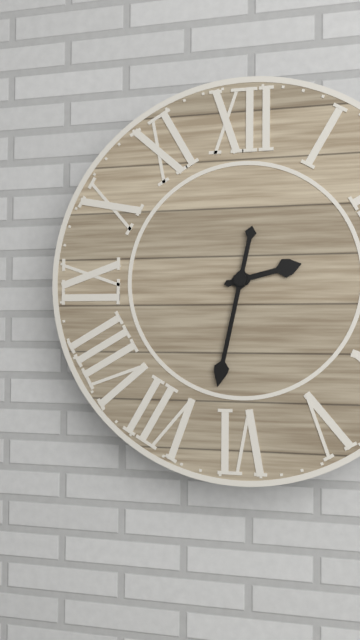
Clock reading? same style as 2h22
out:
2h32
